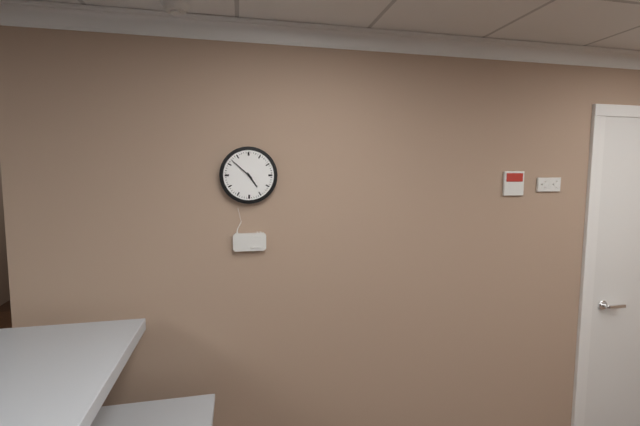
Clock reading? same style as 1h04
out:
4h52
